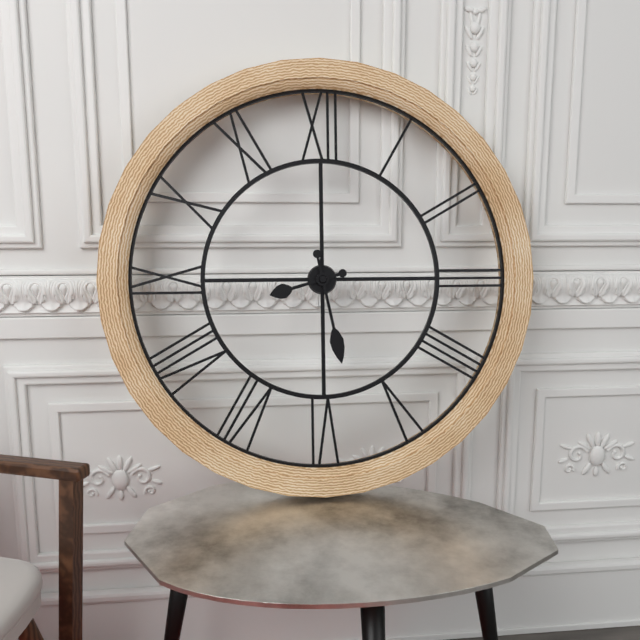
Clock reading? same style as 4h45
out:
8h28
